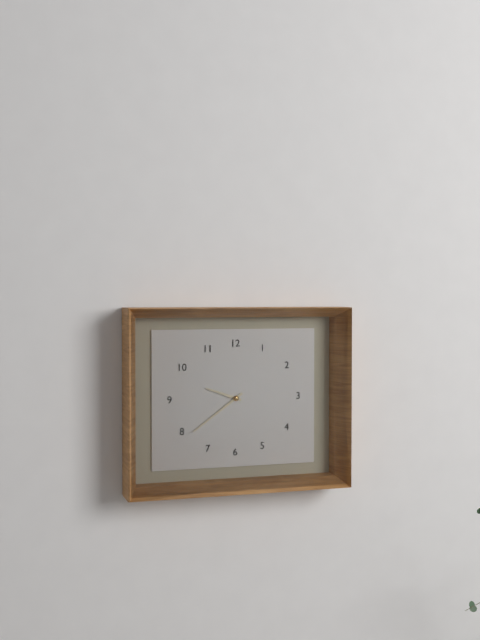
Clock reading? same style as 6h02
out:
9h39
